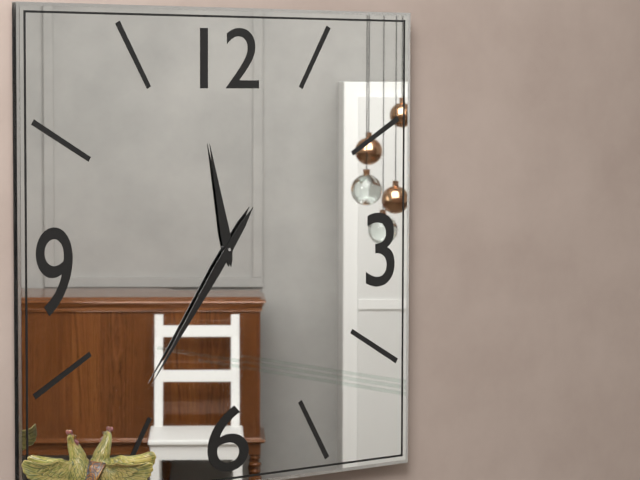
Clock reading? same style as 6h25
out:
11h36
